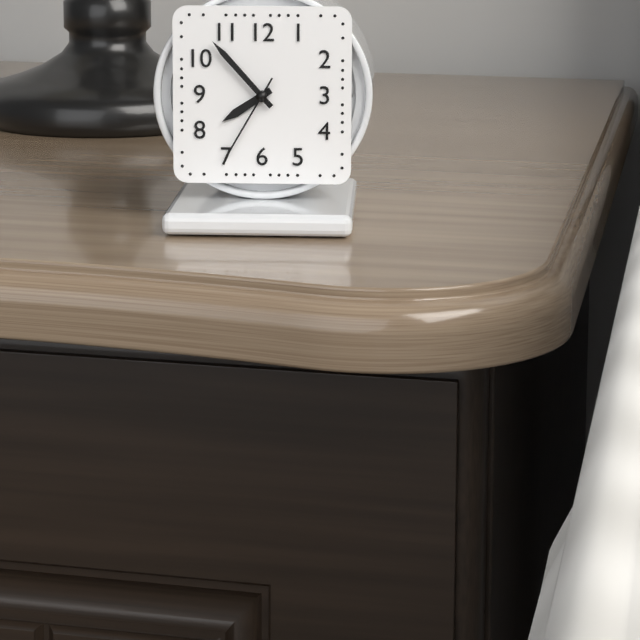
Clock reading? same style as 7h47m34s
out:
7h53m35s
